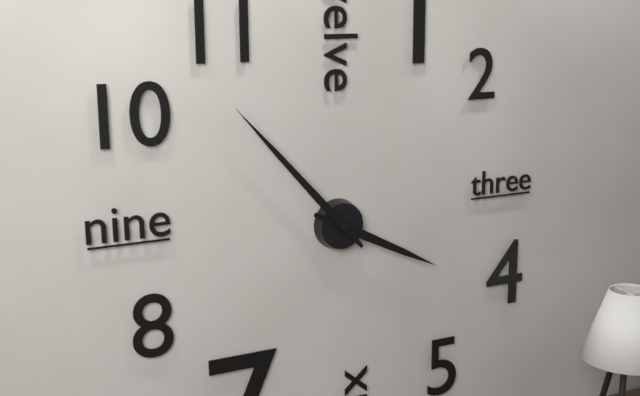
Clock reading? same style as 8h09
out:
3h53
